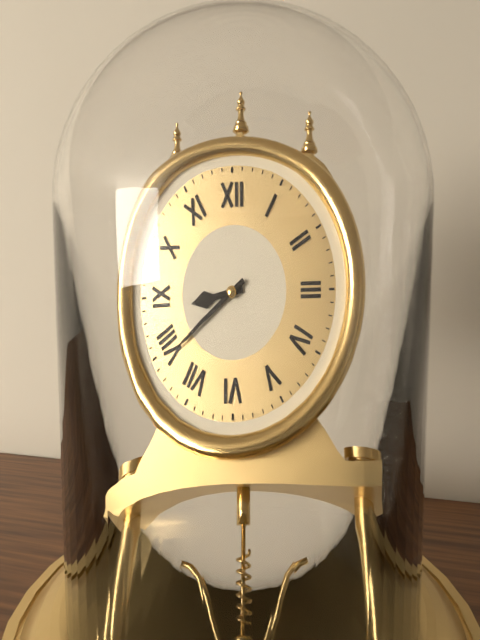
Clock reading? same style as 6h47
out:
8h39
